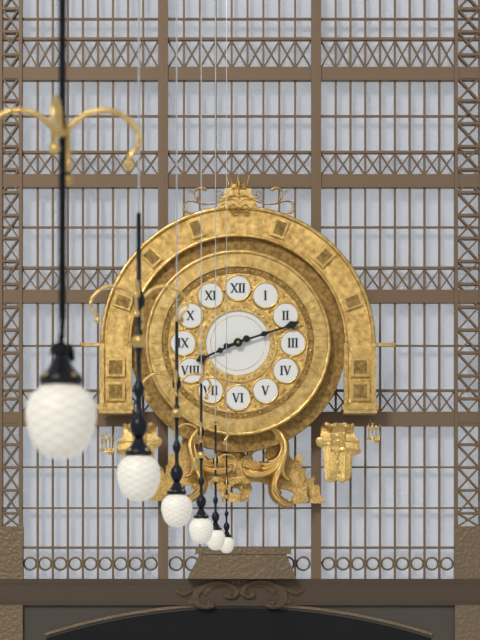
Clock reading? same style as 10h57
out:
8h12
